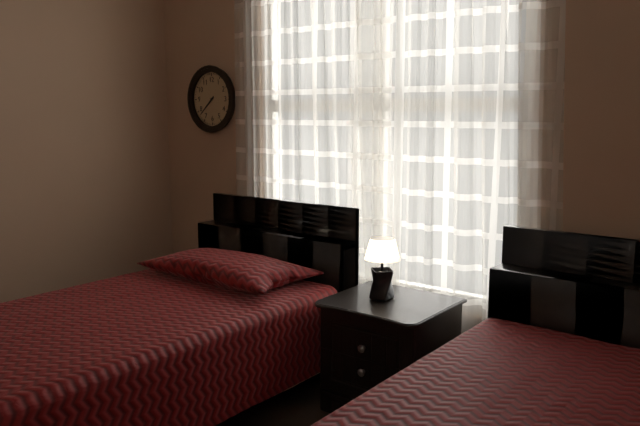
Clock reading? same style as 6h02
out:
7h38
